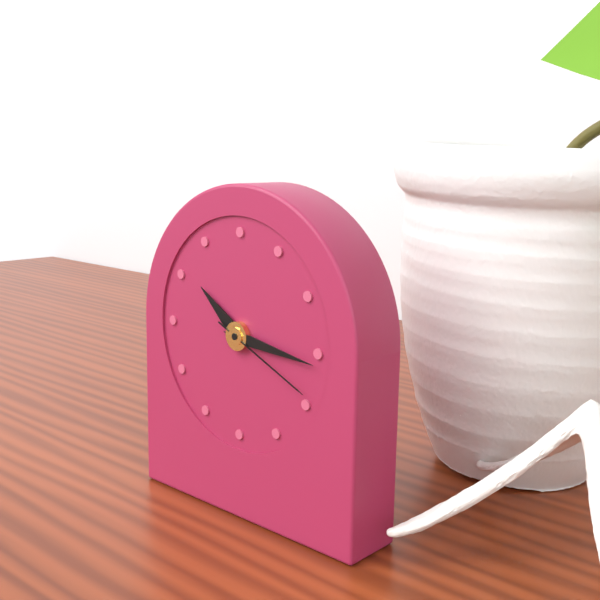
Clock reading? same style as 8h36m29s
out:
10h16m19s
